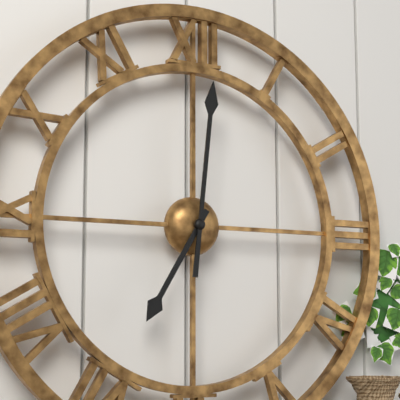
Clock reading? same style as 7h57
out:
7h01
